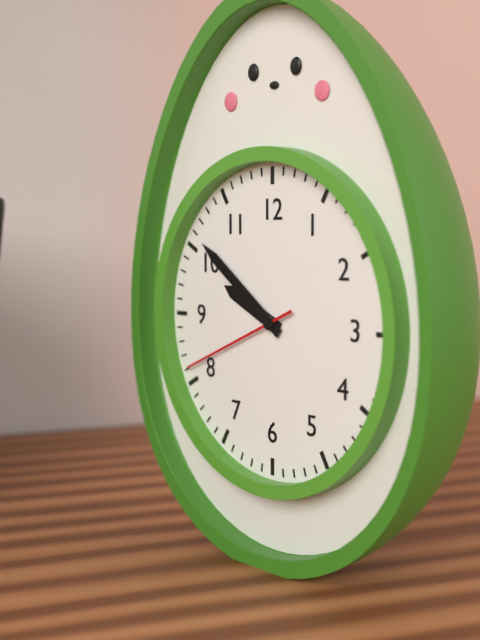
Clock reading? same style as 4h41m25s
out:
9h51m41s
